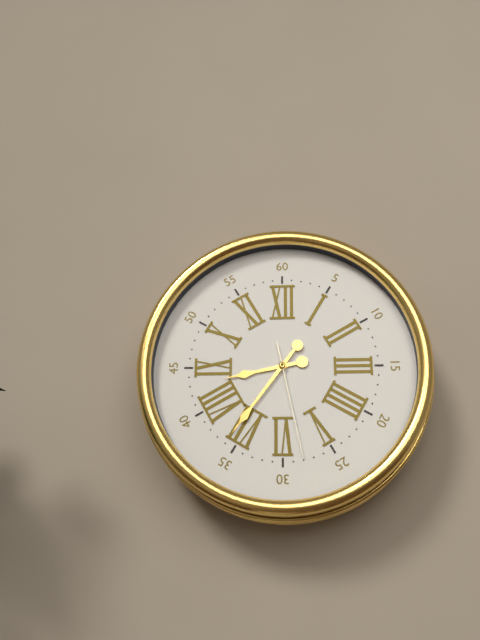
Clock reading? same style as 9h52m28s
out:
8h36m28s
